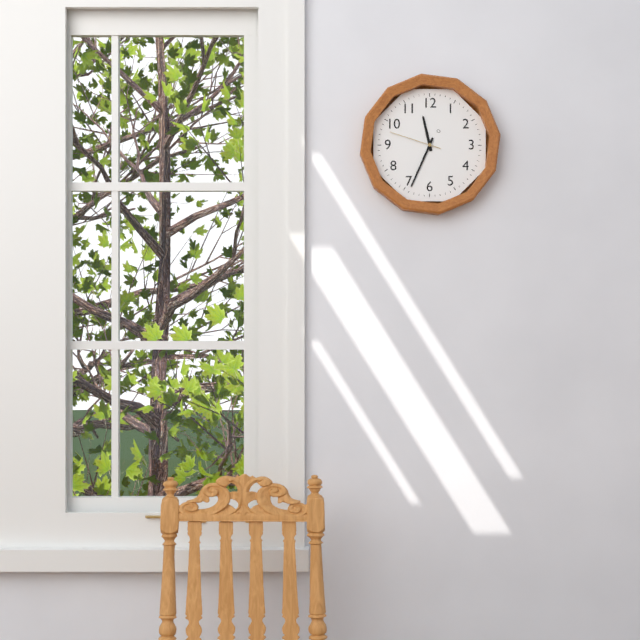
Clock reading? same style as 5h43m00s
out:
11h34m48s
